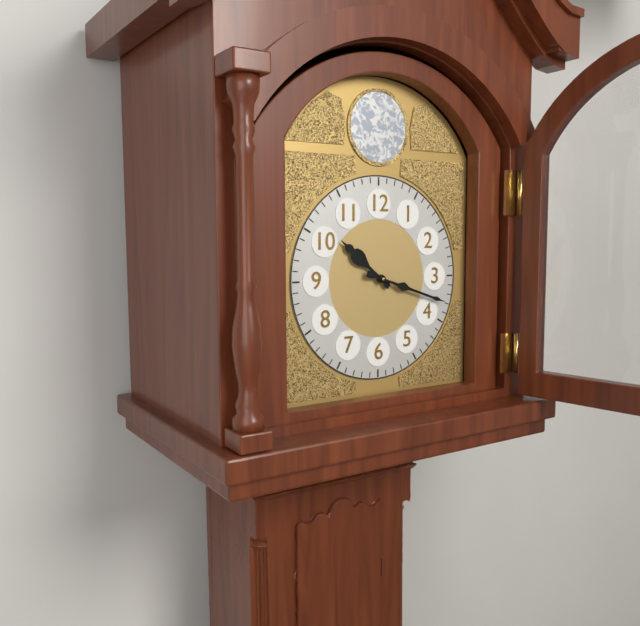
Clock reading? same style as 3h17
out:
10h18
